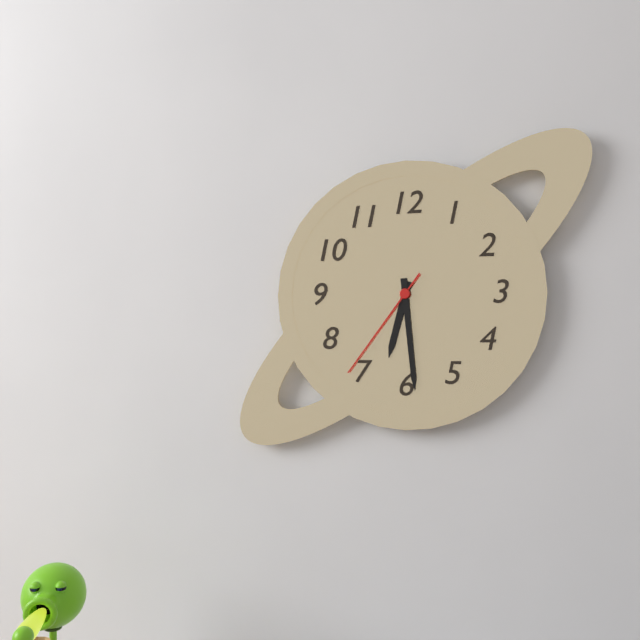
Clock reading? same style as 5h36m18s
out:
6h29m36s
